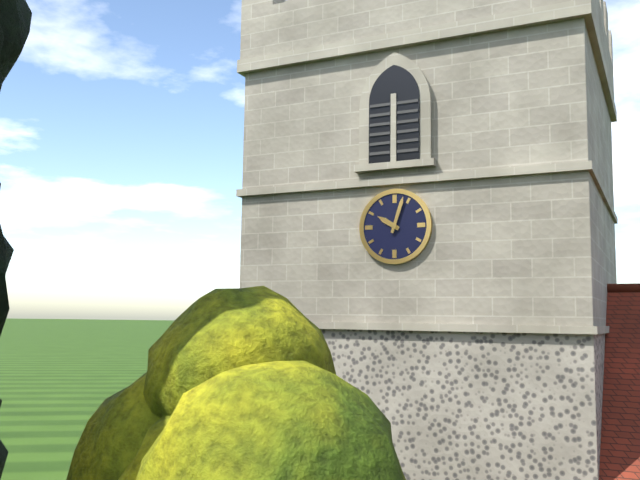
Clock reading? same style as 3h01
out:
10h03
